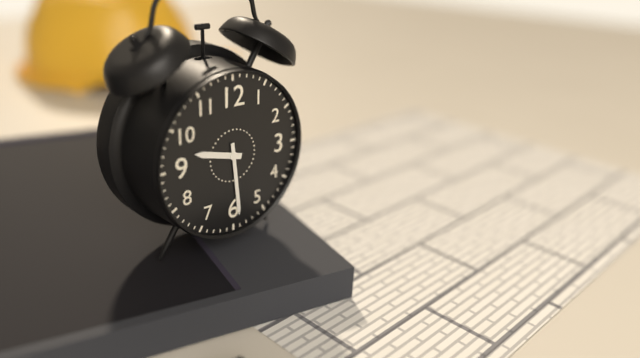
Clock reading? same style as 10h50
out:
9h29
